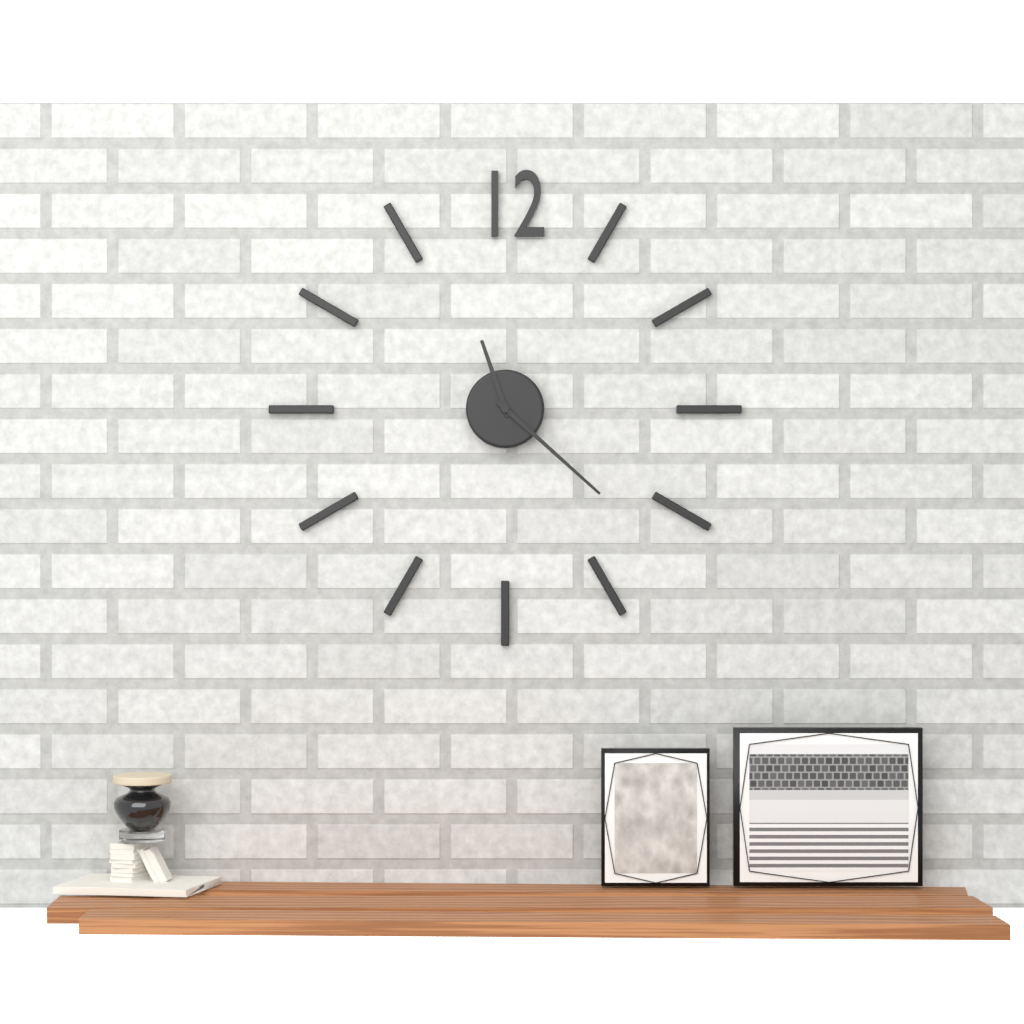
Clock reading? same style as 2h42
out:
11h22
